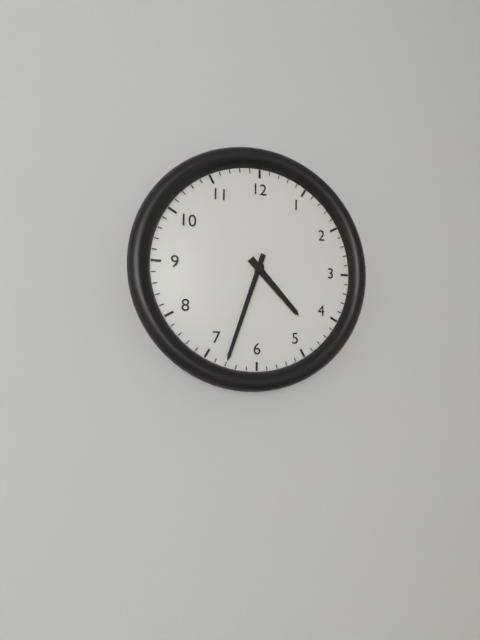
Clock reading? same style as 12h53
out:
4h33
